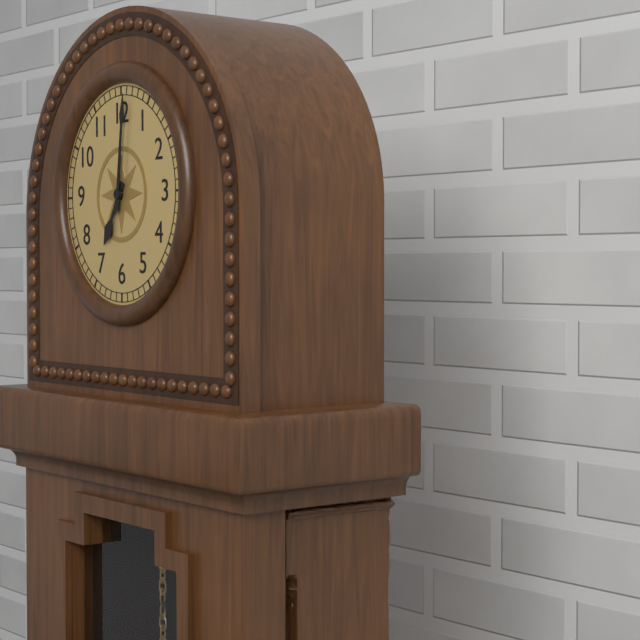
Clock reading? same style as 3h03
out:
7h01
